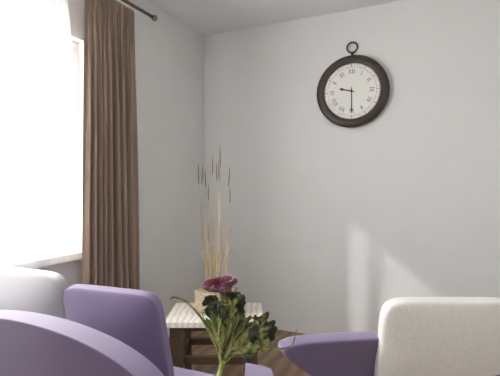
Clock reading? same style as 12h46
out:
9h30
